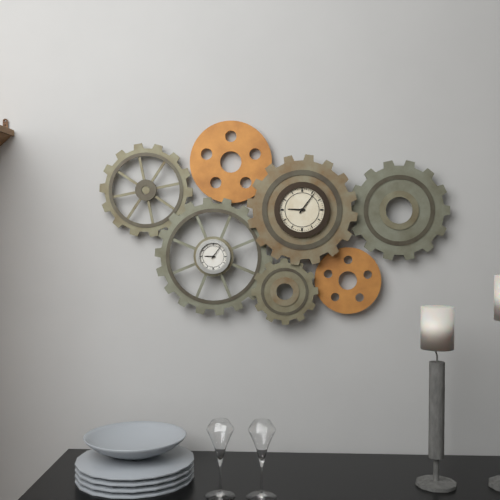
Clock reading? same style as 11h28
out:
9h06
